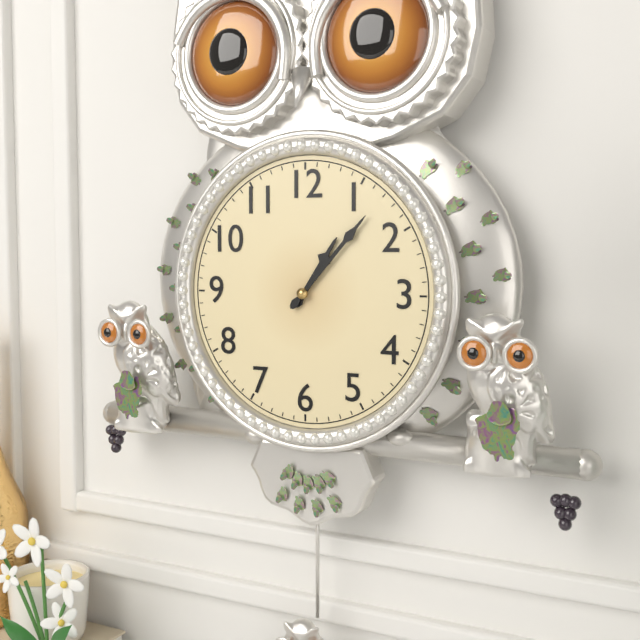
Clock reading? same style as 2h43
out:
1h07
